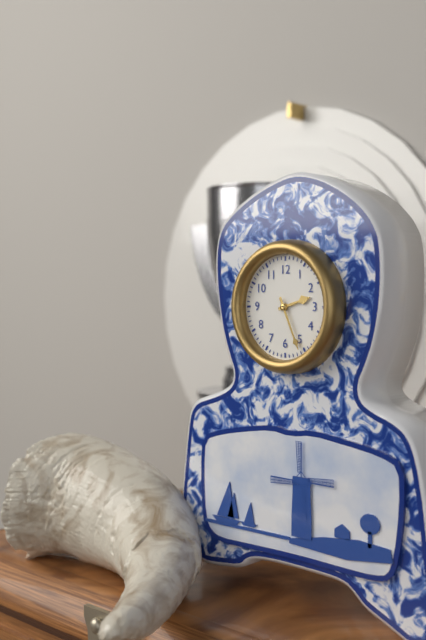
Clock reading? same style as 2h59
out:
2h26
